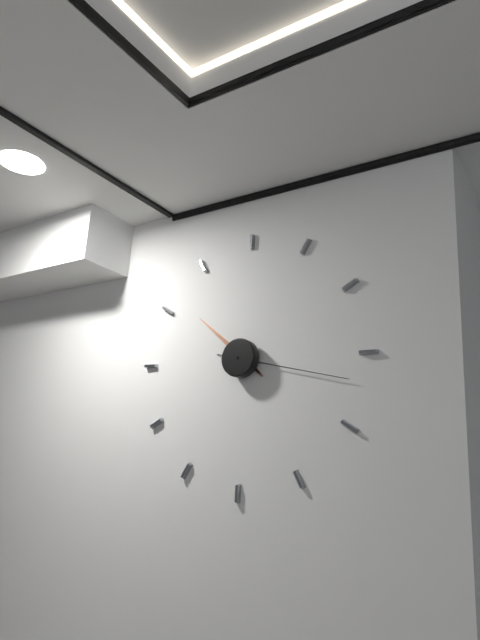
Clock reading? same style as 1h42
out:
10h17
